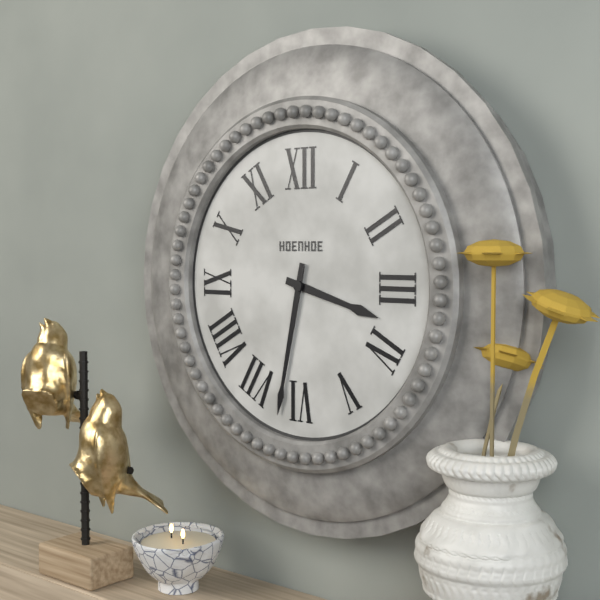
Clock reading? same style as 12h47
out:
3h32
